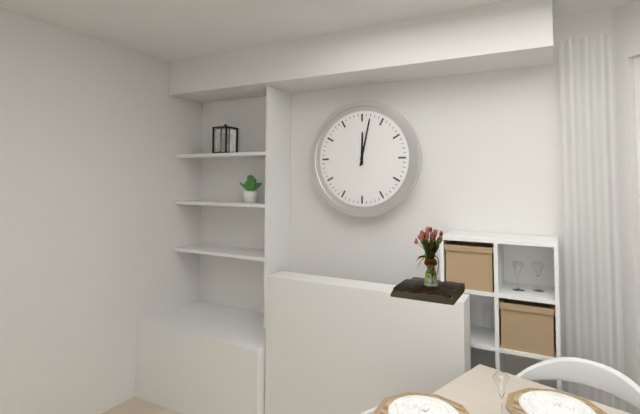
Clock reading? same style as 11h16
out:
12h02
